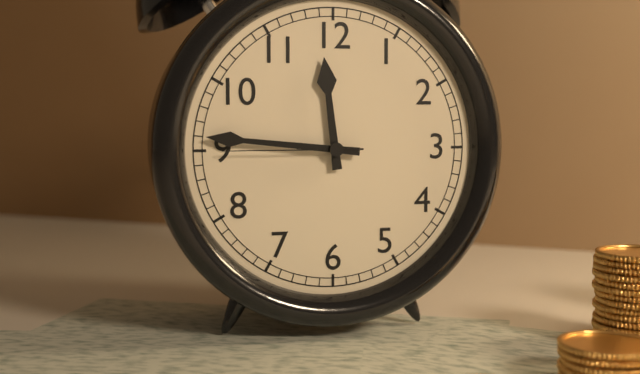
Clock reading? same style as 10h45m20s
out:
11h46m45s
